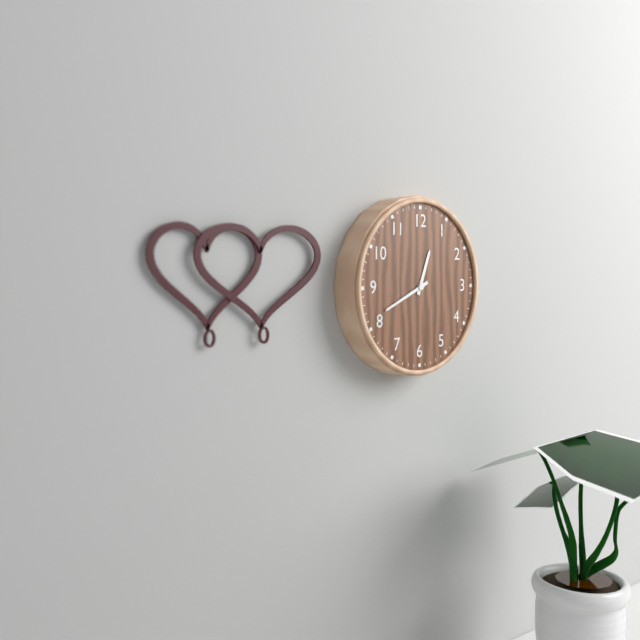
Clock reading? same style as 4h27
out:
12h41
